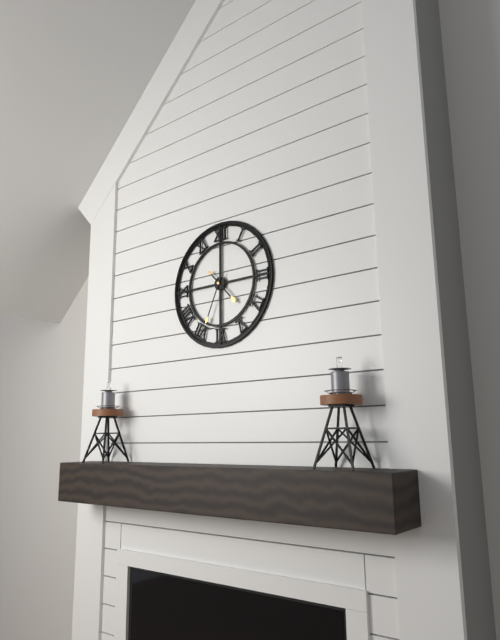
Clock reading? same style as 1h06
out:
4h34
